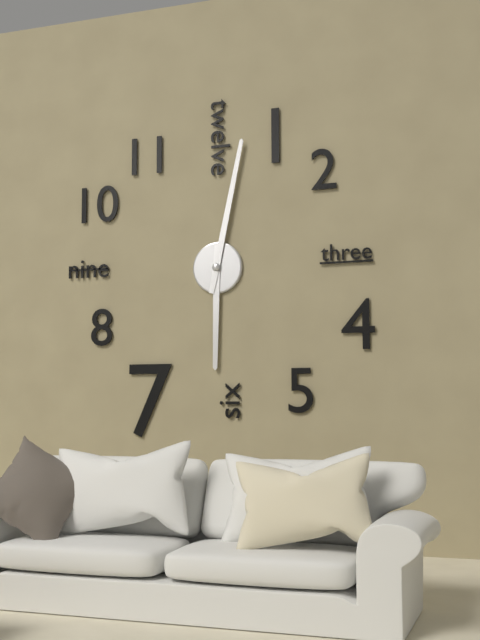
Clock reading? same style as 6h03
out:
6h02
